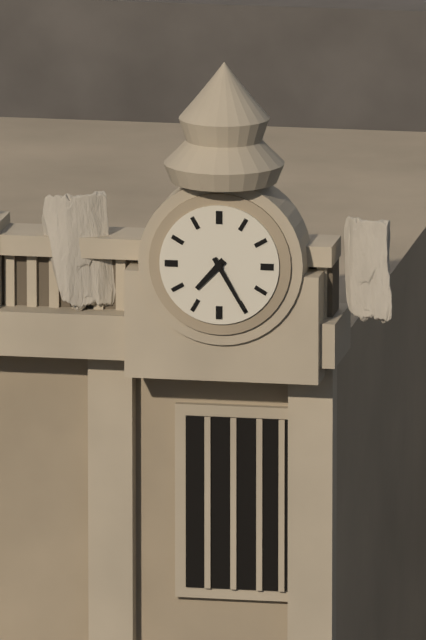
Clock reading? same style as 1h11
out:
7h25
